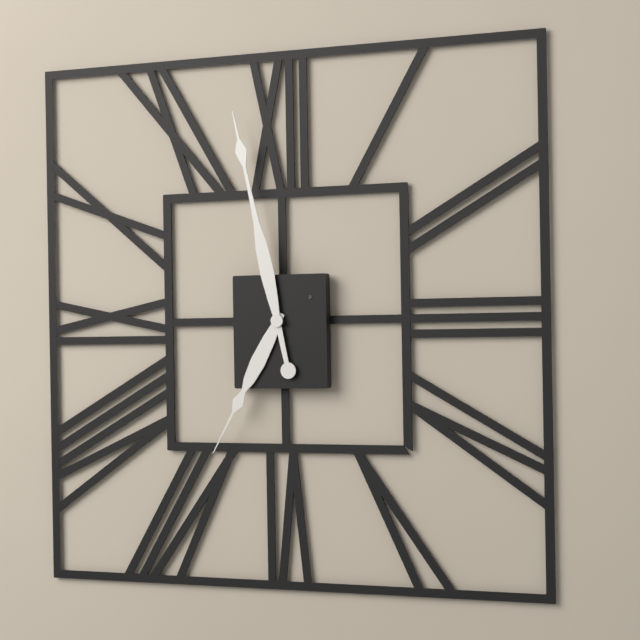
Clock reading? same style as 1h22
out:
6h58
